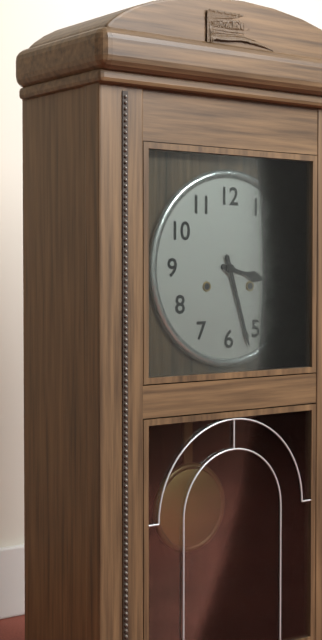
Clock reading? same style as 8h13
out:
3h27
